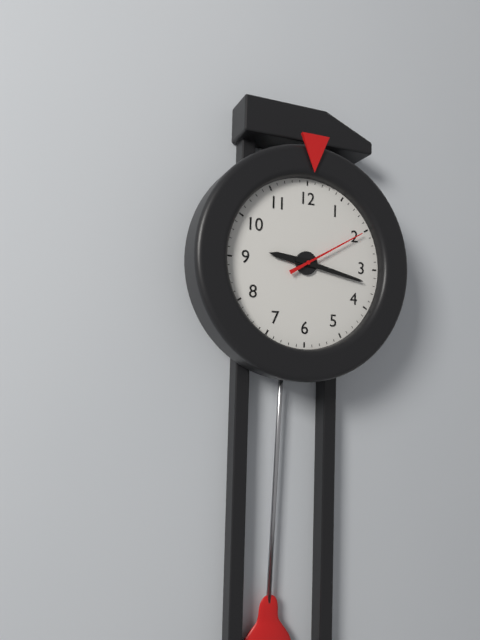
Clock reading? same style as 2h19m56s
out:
9h17m10s
